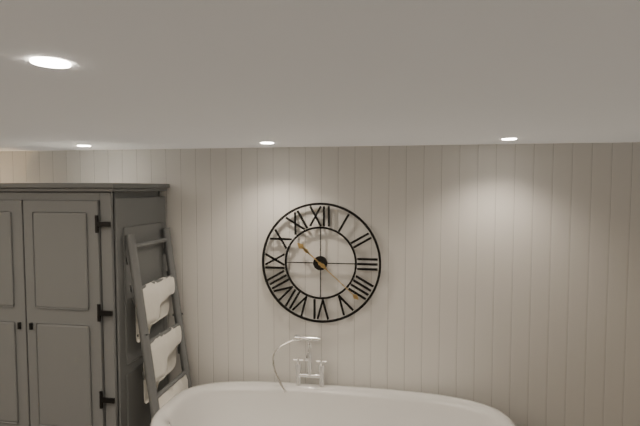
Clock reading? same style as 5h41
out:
10h22
